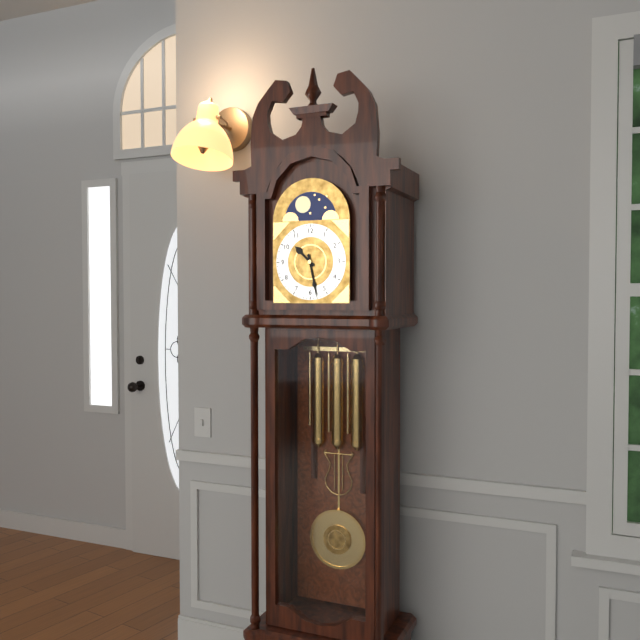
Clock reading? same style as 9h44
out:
10h28
